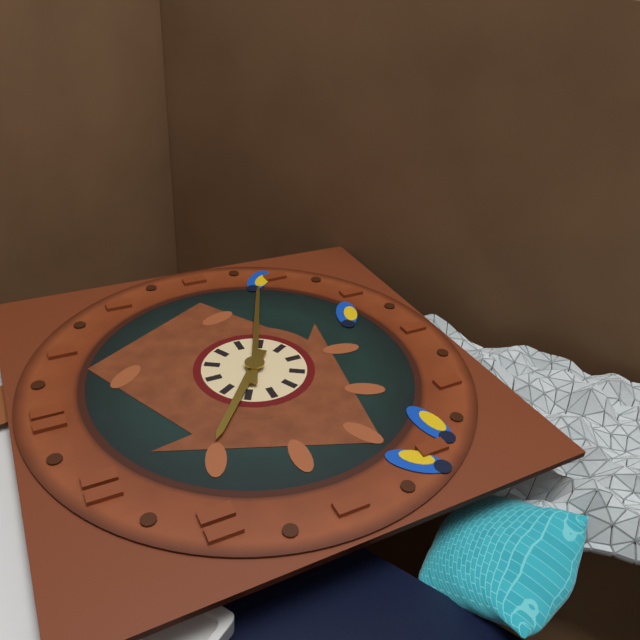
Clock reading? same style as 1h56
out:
10h19
